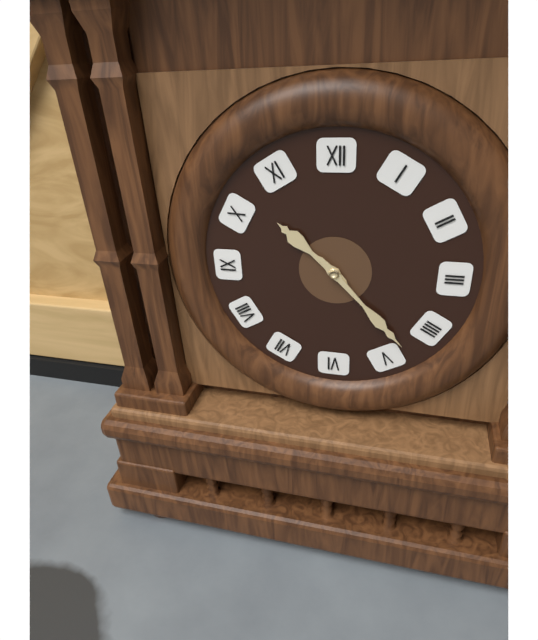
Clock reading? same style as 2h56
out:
10h23
